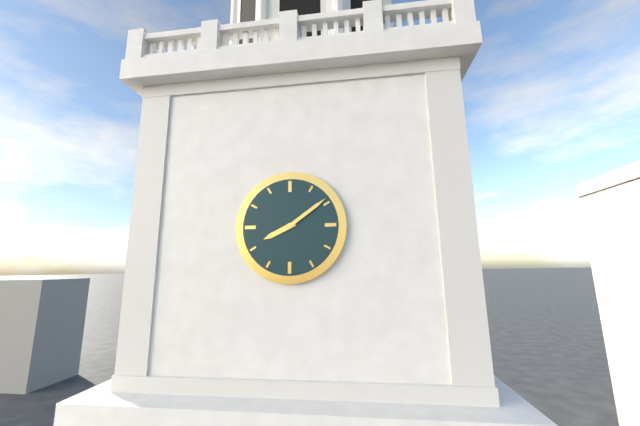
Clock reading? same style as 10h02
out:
8h09
